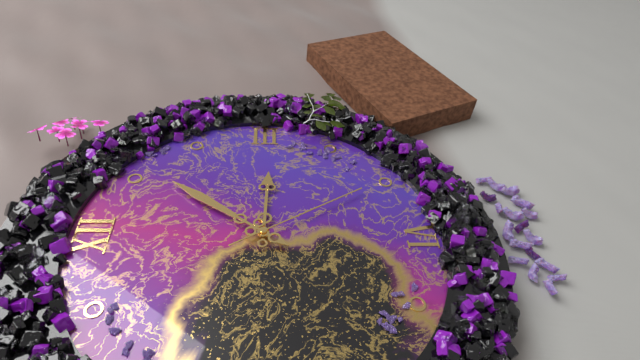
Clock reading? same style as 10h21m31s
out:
3h06m25s
